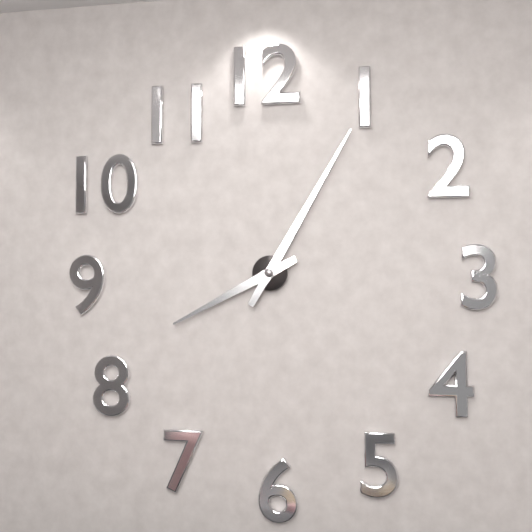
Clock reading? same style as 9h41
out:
8h05
